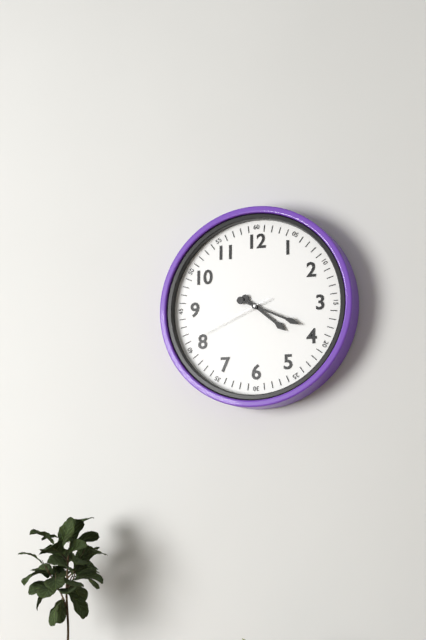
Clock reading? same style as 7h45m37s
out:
4h19m41s
